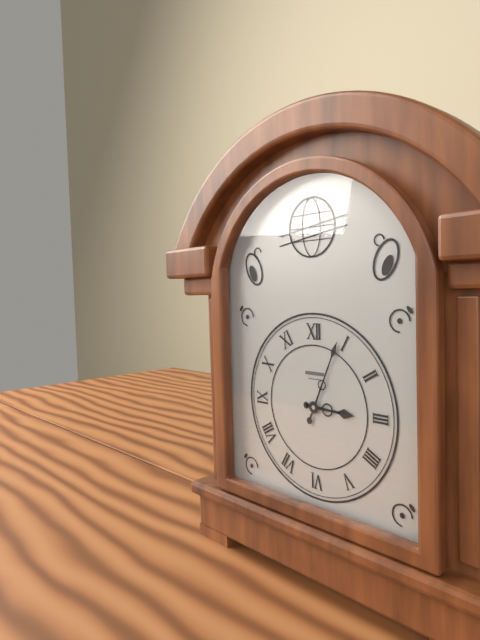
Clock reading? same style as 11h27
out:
3h04
